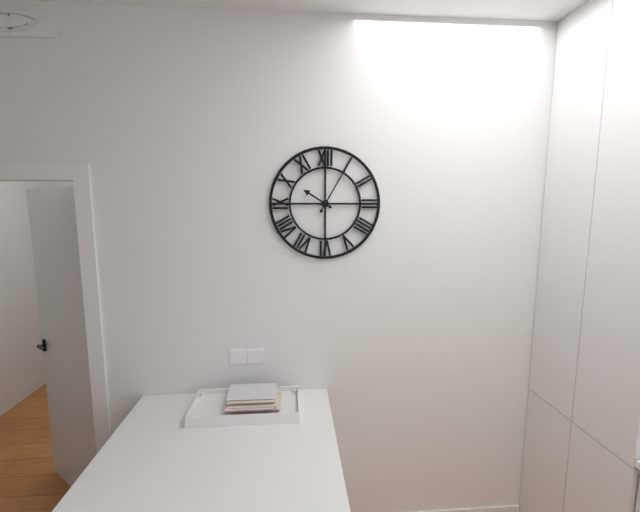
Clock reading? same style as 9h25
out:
10h05
